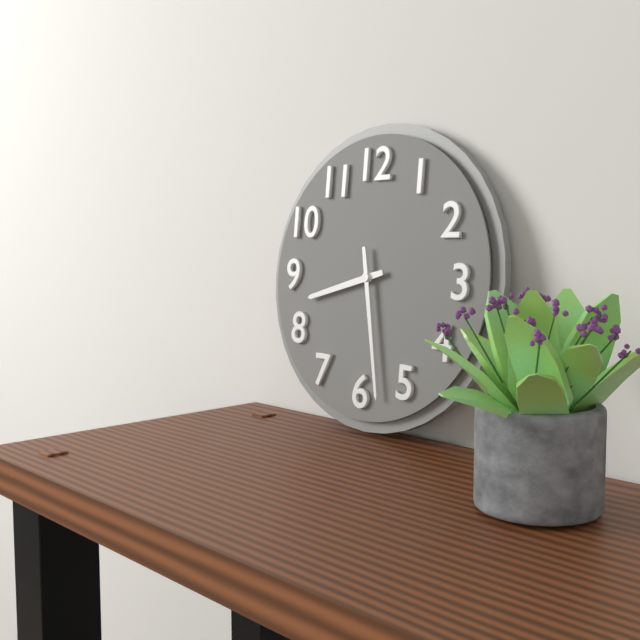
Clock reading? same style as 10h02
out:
8h28
